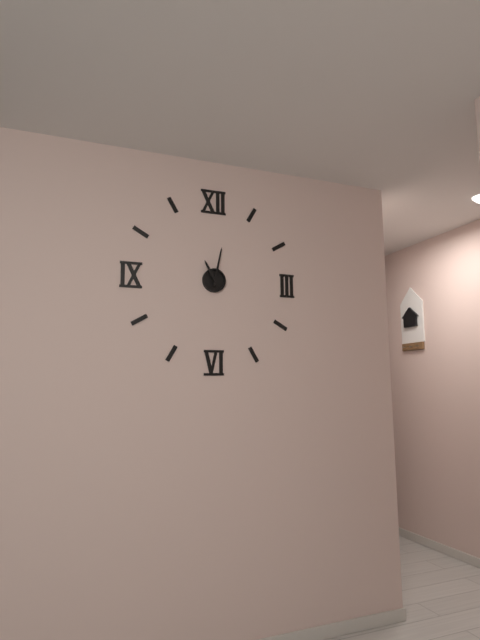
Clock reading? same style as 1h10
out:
11h02
